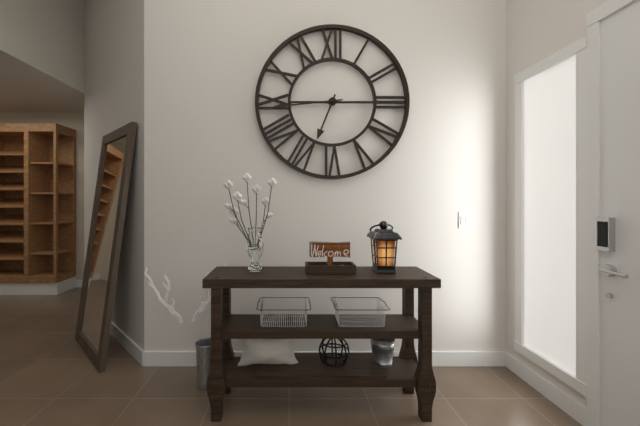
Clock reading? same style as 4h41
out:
6h44
